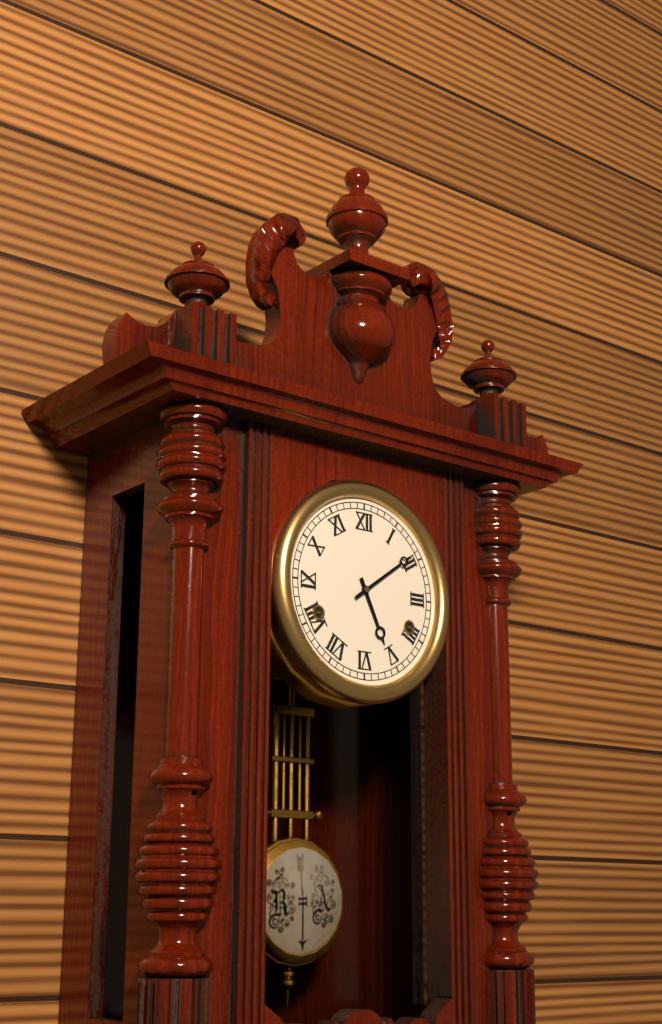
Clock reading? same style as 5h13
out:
5h09
